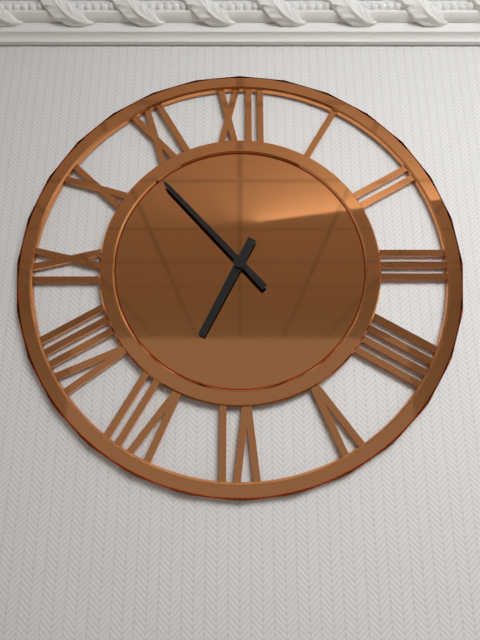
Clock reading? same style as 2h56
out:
6h53
